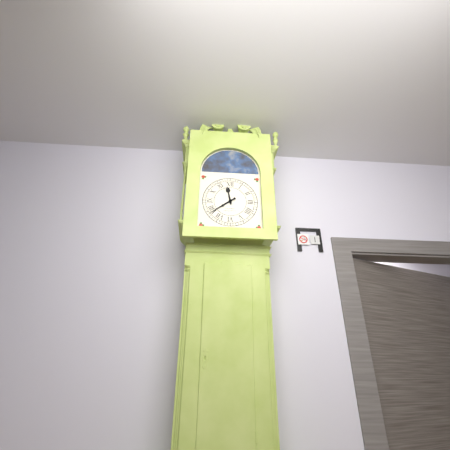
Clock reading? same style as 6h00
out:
11h39
